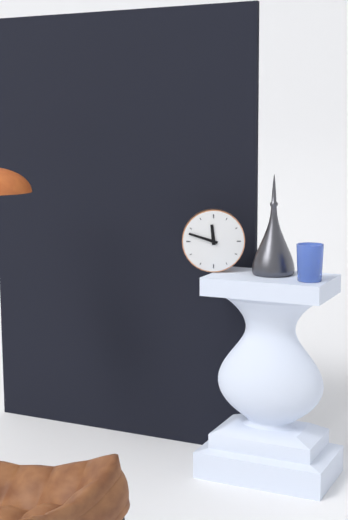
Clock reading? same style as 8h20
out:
11h48
